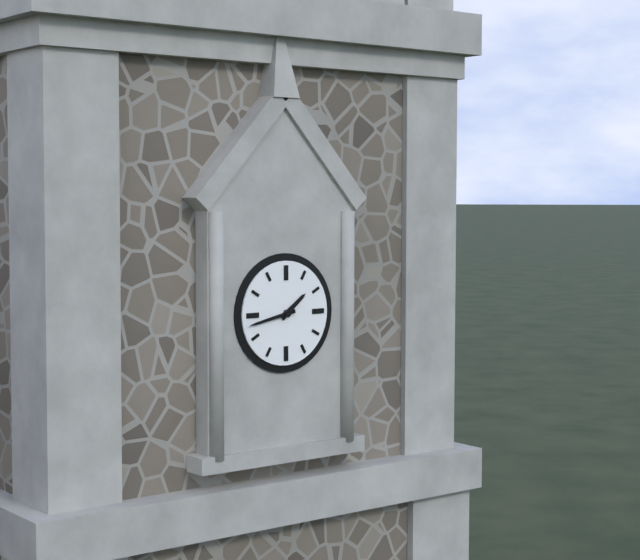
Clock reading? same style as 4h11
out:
1h43
